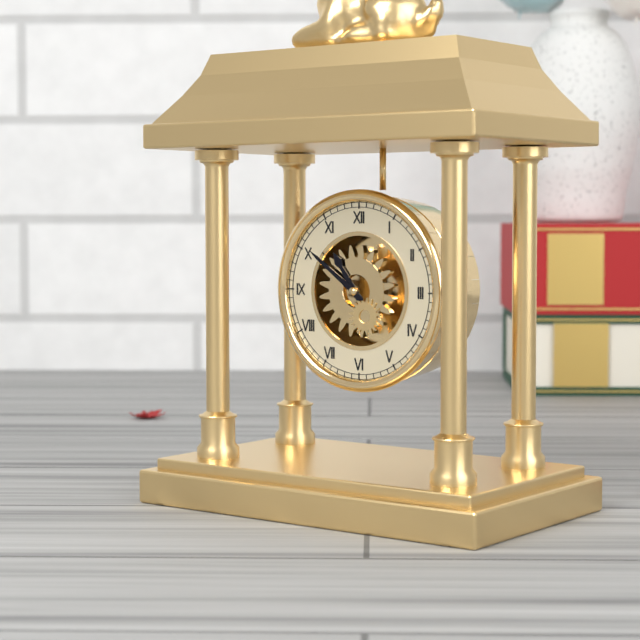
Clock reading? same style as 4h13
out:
10h51
